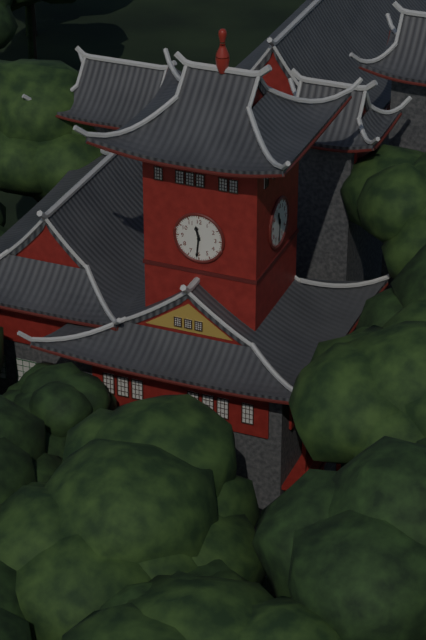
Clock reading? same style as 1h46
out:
11h31
